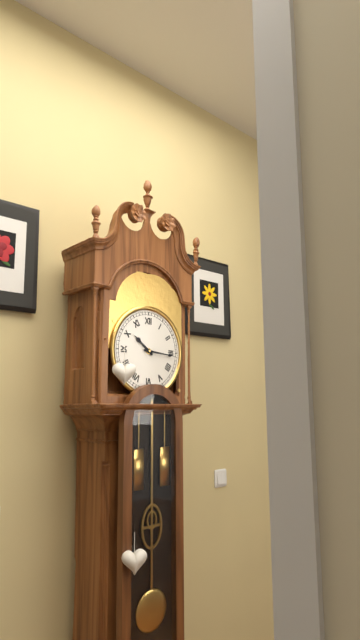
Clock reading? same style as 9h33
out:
10h16
